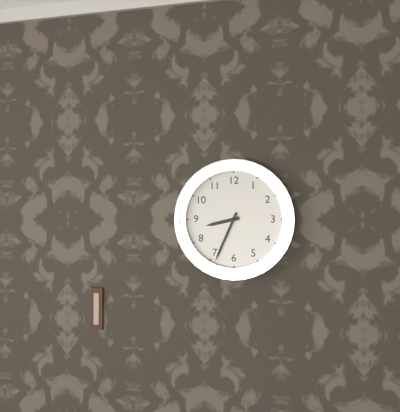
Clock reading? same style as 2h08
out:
8h34
